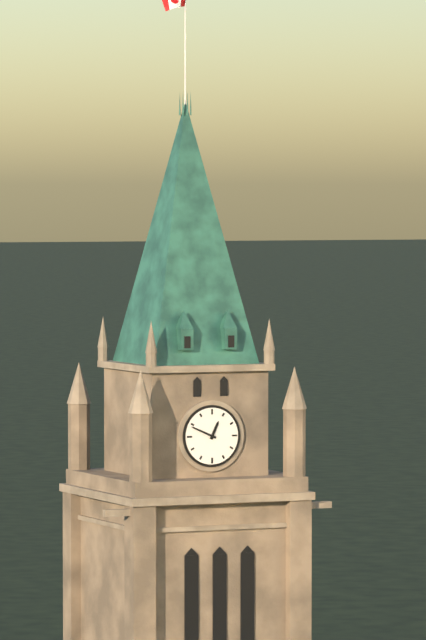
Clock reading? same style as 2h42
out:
12h49
